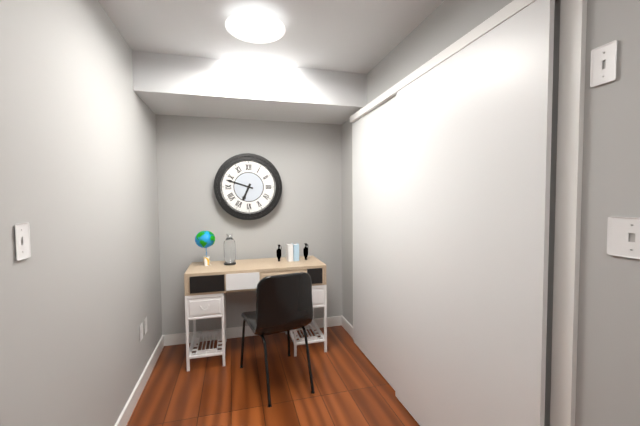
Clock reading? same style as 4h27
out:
6h48
